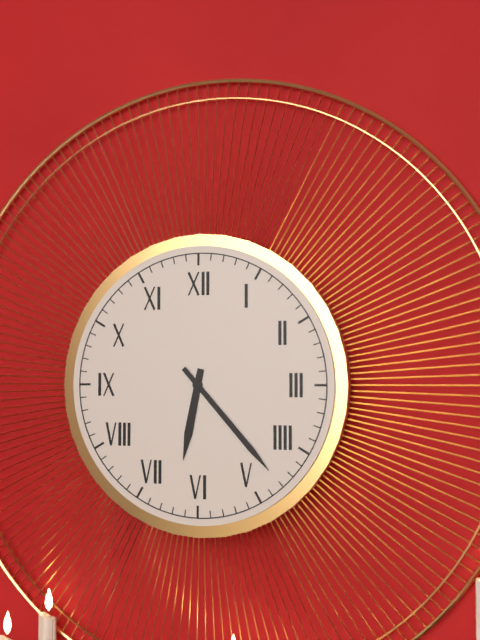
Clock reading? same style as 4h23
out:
6h23
